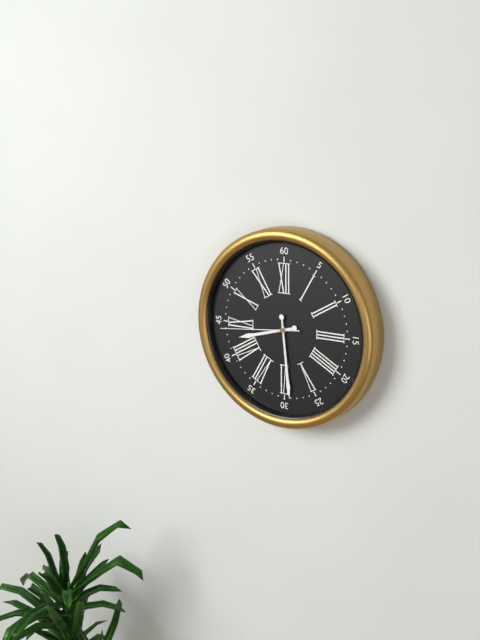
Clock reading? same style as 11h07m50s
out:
8h29m44s
